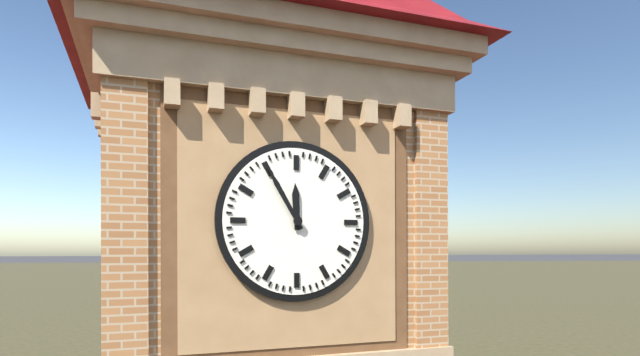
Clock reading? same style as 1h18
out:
11h55
